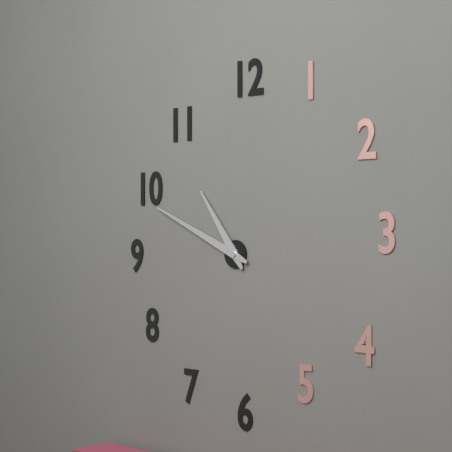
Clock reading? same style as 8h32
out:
10h49
